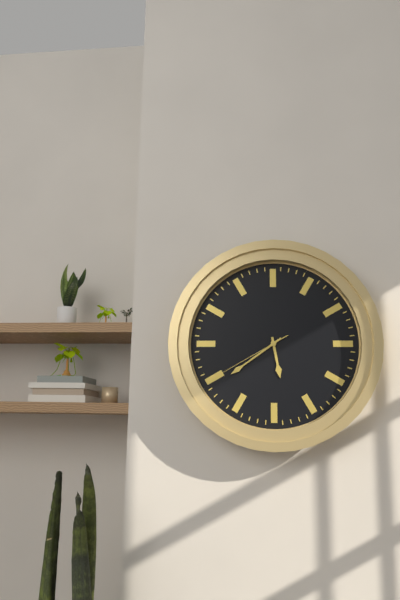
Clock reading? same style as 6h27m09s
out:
5h39m40s
